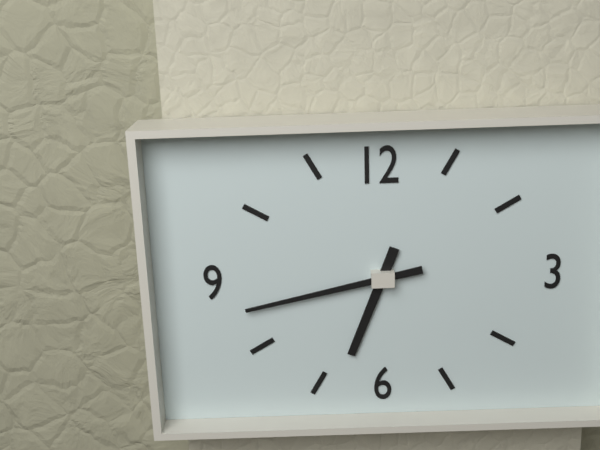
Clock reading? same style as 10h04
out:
6h43
